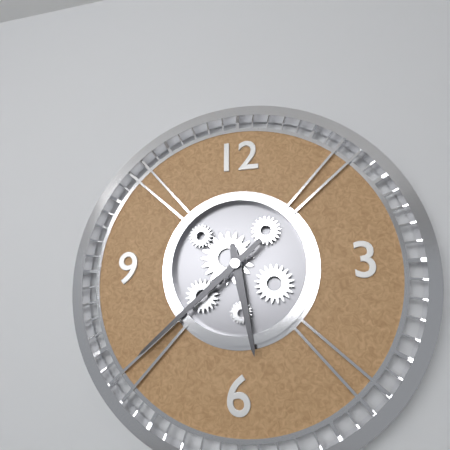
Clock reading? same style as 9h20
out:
5h38
